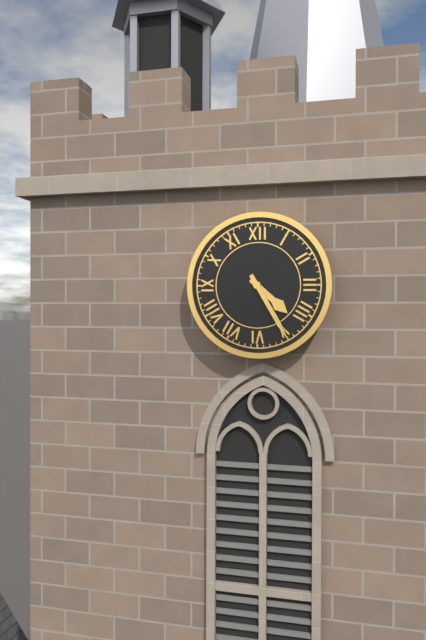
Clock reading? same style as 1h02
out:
4h25
